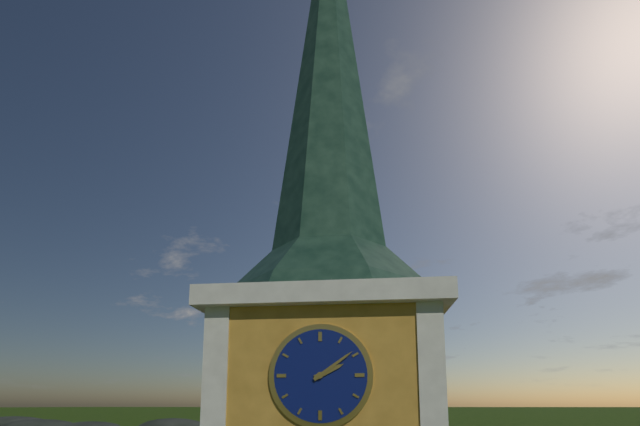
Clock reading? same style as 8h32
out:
2h09
